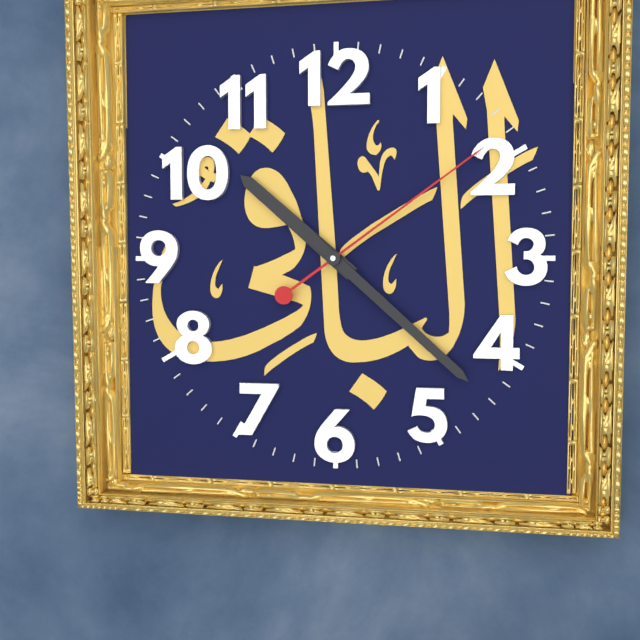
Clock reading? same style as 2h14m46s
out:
10h22m09s
